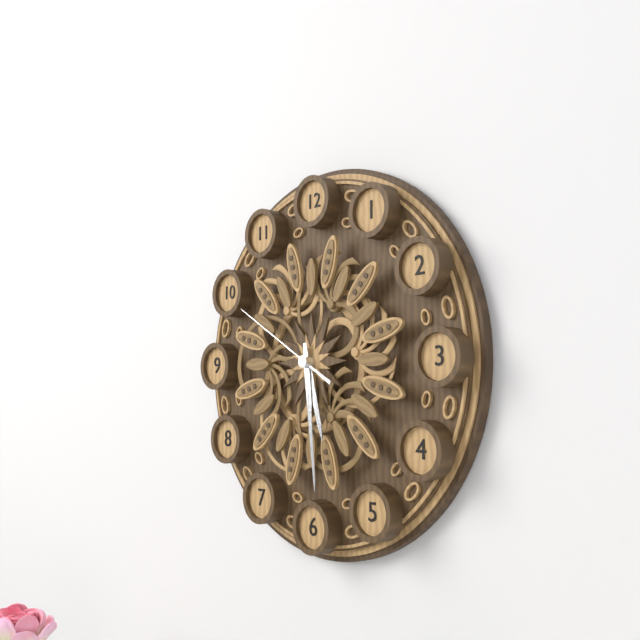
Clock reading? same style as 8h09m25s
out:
5h29m50s
